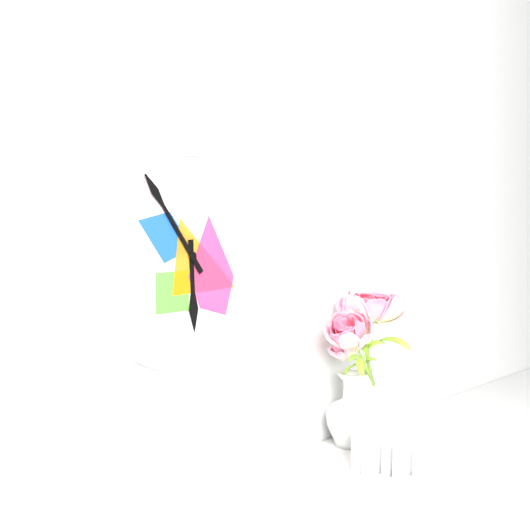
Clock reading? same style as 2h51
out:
5h54
